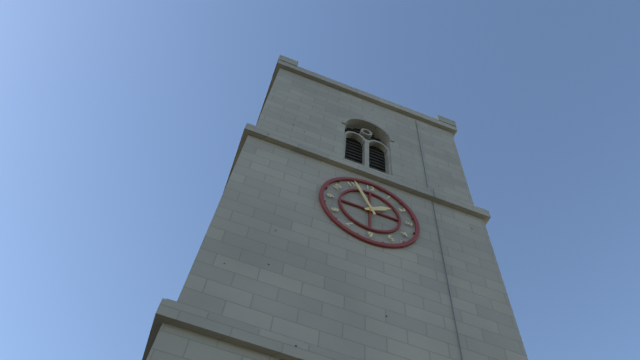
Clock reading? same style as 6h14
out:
1h56
